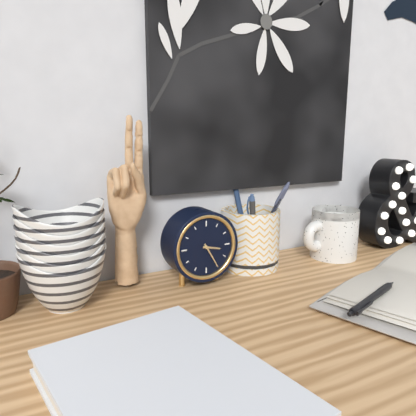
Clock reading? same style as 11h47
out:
3h25
